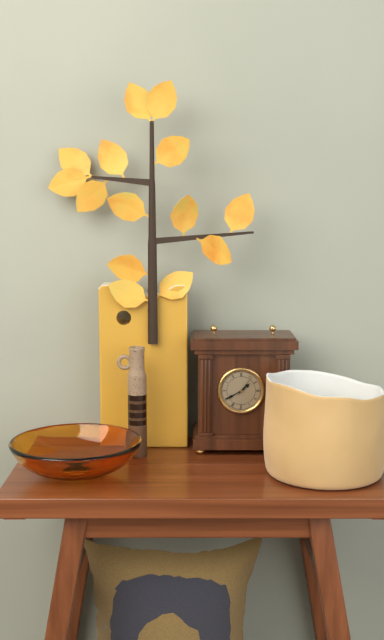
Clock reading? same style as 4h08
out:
1h40
